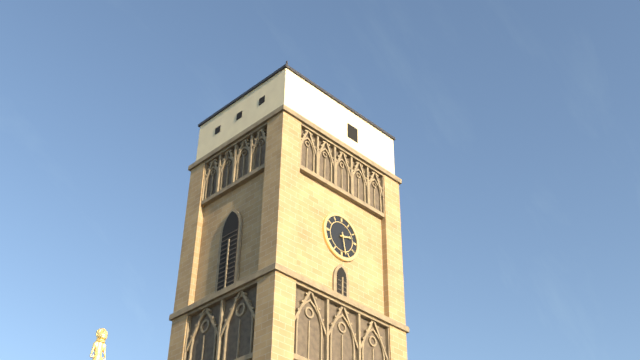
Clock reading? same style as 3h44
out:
2h28
